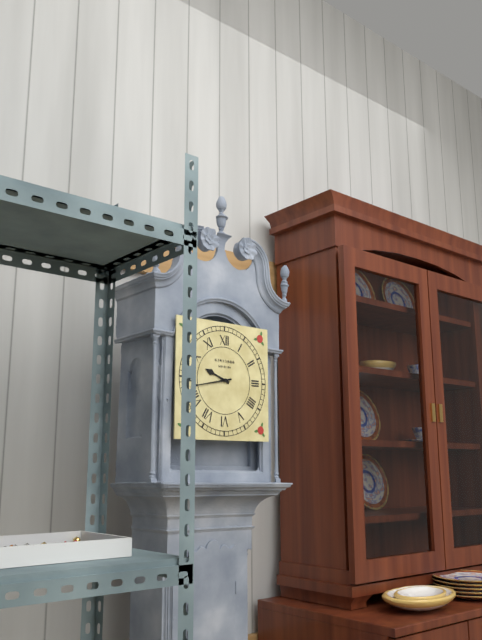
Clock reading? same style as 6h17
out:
9h43
